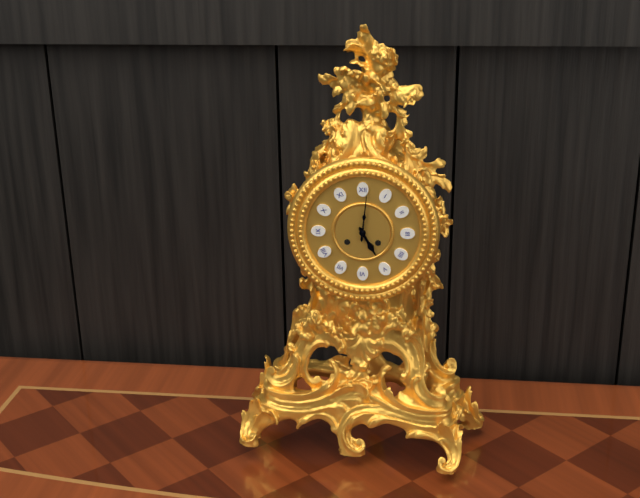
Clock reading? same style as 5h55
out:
5h01
